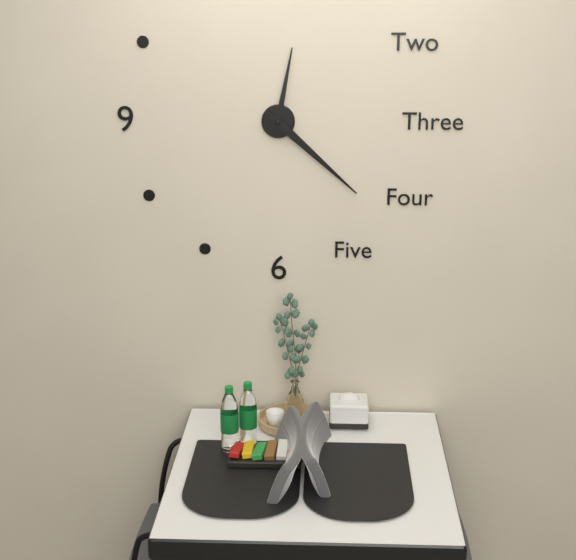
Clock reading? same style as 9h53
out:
12h22
